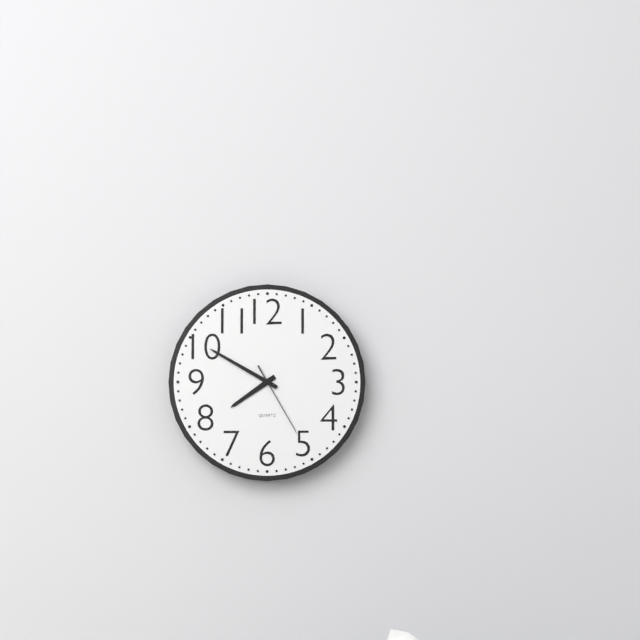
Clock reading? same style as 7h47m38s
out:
7h50m25s
